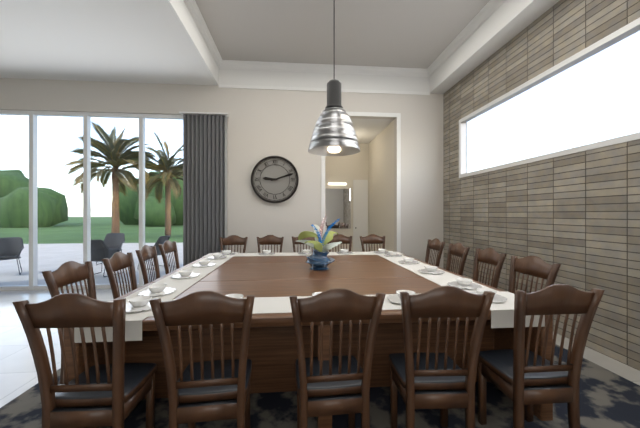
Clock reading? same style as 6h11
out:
9h12
